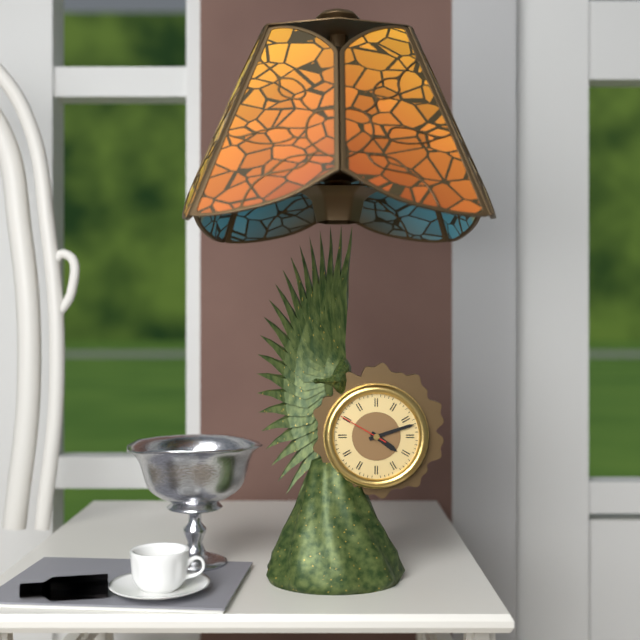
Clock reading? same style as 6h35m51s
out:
4h12m50s
